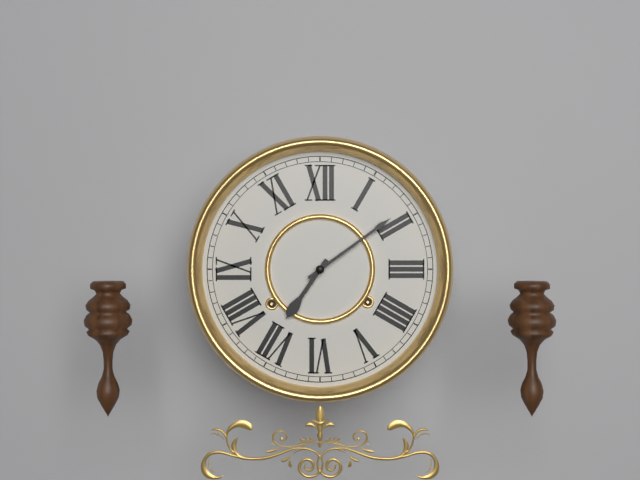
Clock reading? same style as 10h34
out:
7h09
